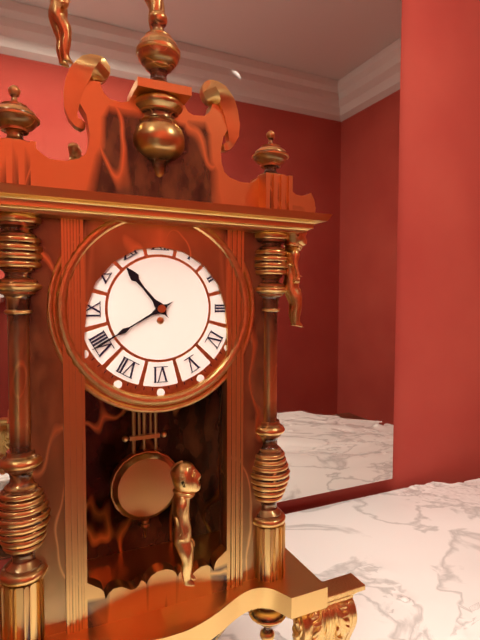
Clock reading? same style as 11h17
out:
10h40
